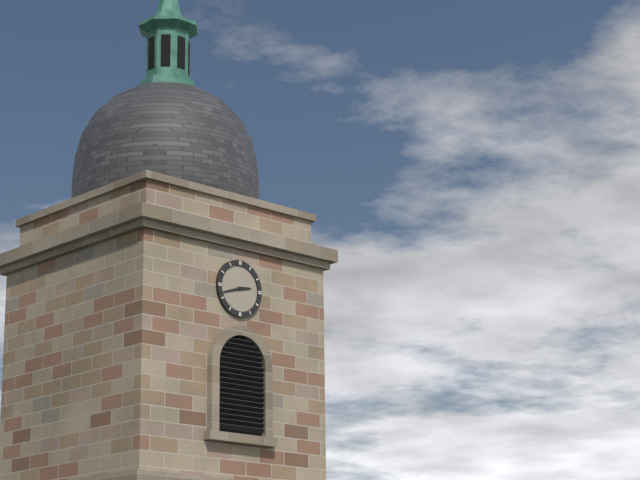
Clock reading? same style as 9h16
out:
2h42
